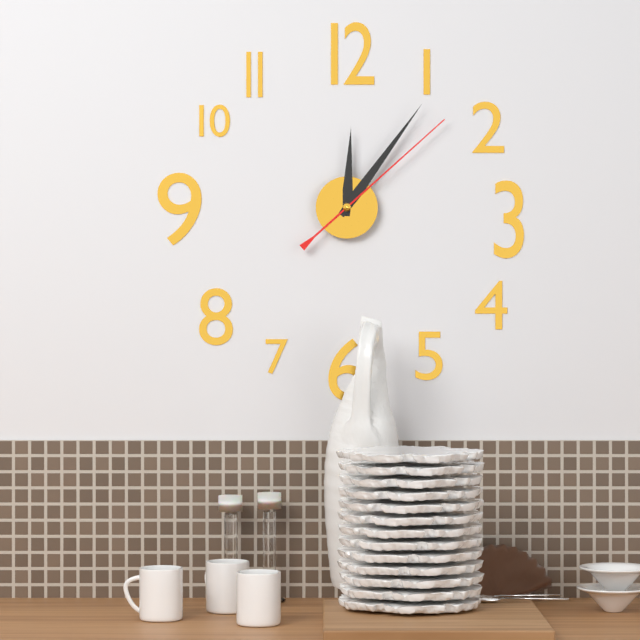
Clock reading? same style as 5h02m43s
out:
12h06m08s
